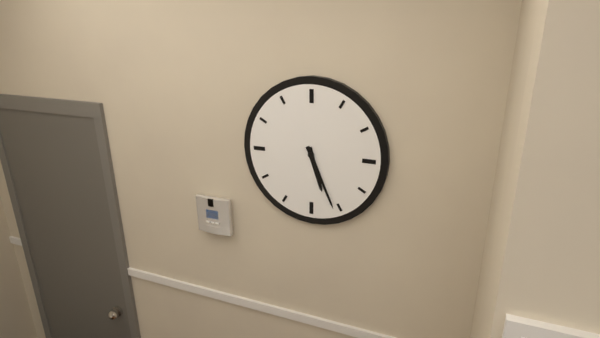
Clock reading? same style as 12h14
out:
5h26
